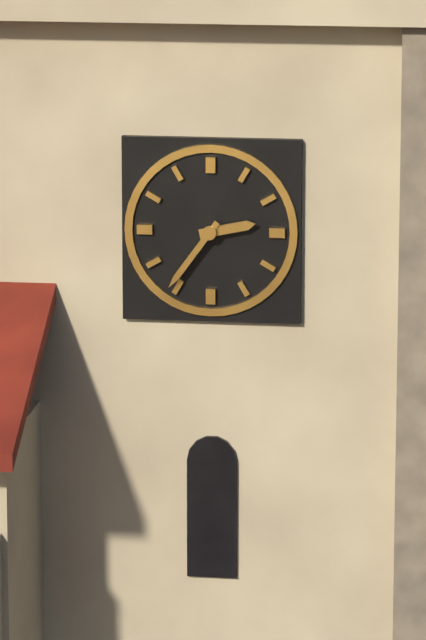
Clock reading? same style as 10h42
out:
2h36
